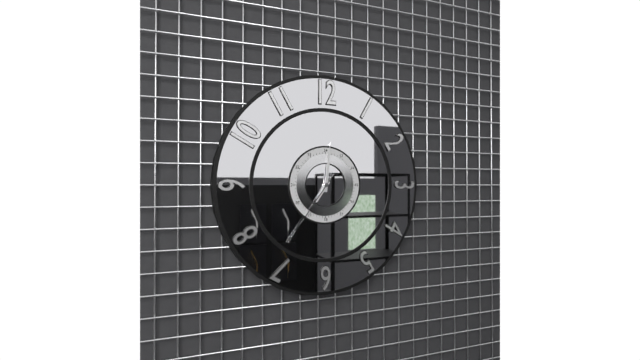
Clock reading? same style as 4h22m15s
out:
7h01m36s
